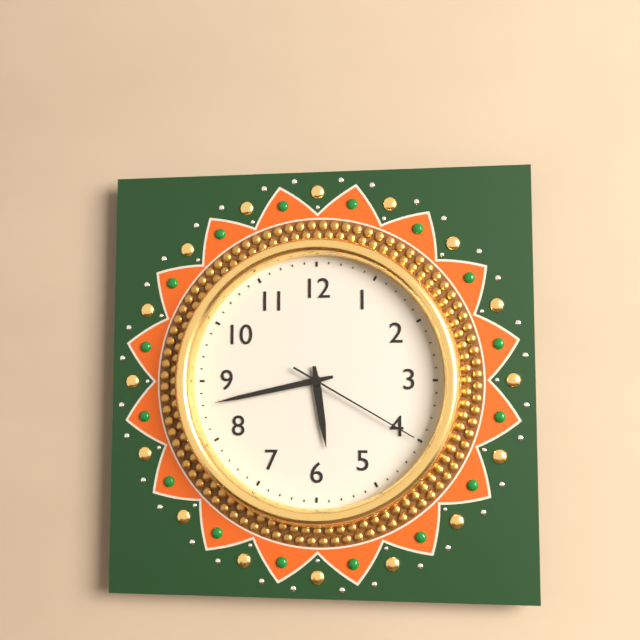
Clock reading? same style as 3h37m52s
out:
5h43m20s
